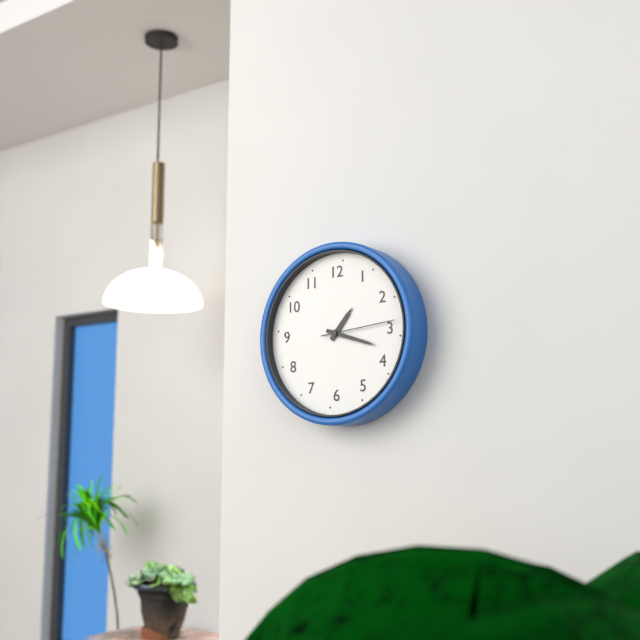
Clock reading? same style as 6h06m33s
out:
1h18m14s
